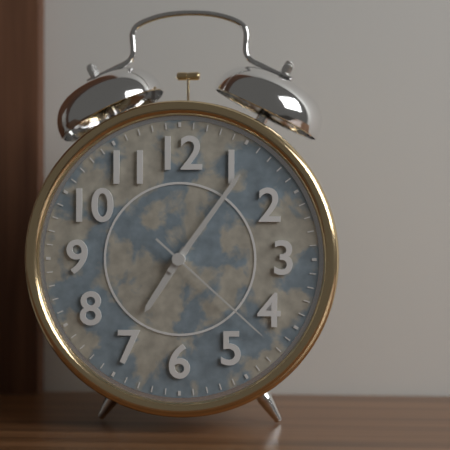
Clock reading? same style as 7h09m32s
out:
7h06m22s
